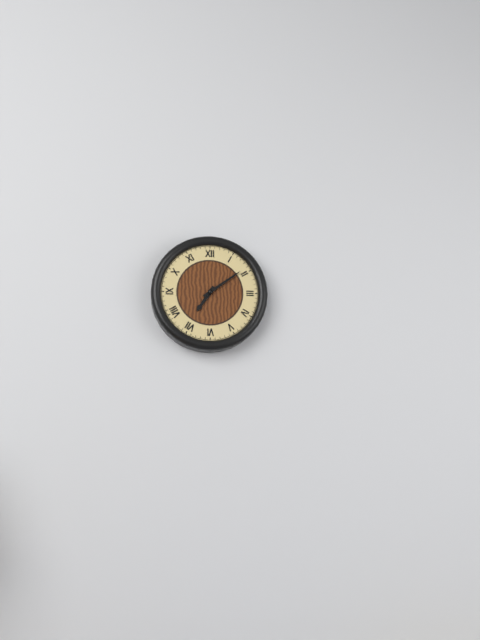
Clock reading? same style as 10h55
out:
7h09
